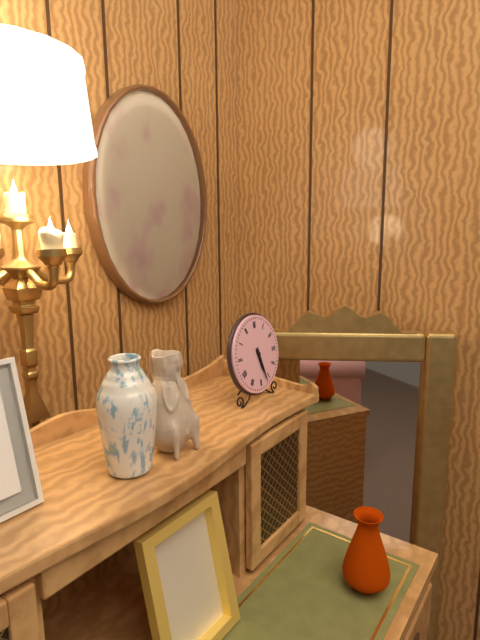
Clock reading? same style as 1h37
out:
5h27
